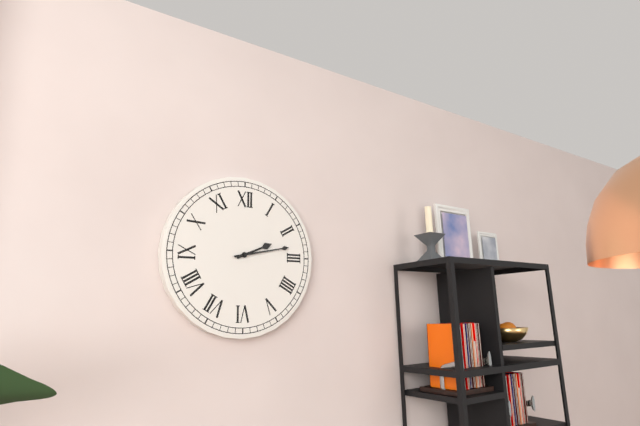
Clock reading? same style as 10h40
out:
2h13
